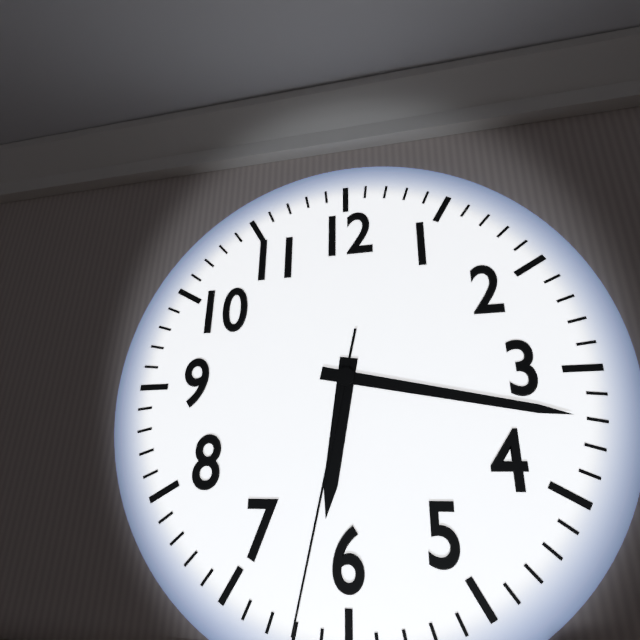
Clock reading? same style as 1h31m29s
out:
6h17m32s
